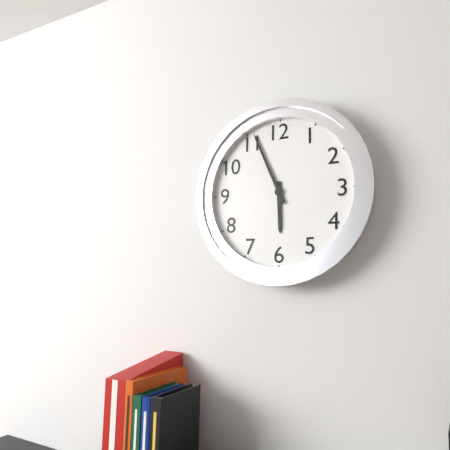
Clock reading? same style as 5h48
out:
5h56
